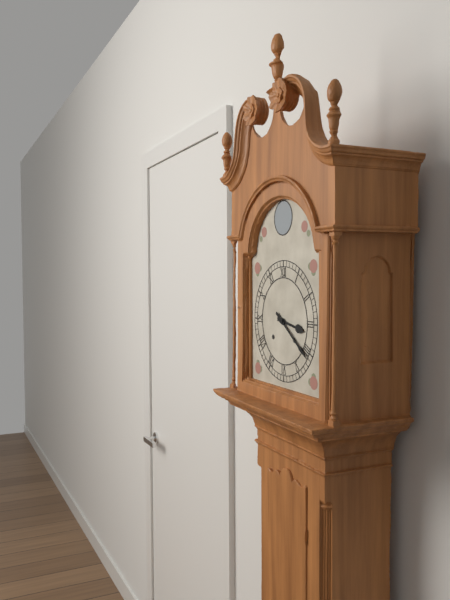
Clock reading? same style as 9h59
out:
3h21
